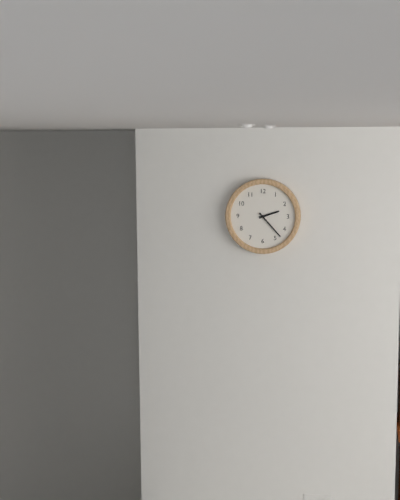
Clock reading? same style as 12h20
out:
2h23
